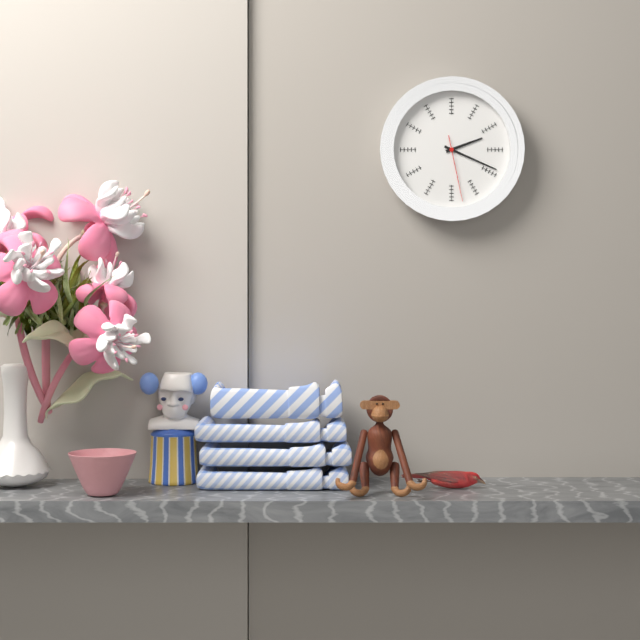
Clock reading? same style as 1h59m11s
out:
2h19m28s
